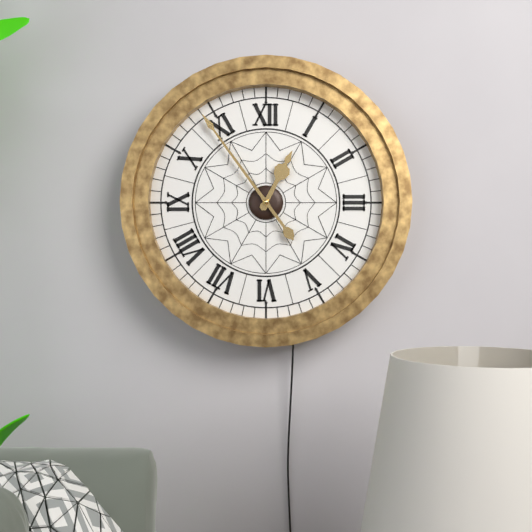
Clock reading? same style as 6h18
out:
12h54
